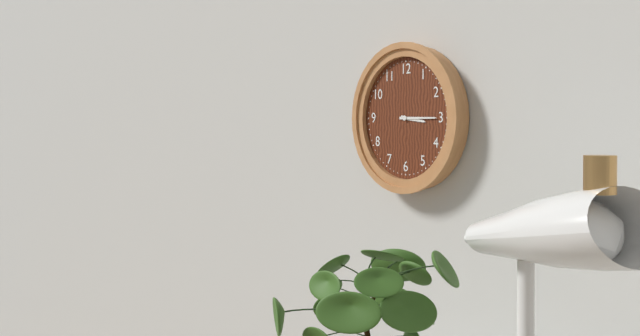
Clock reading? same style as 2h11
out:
3h15
